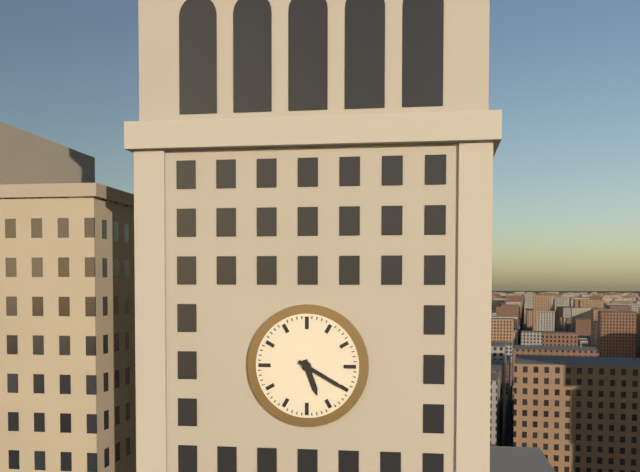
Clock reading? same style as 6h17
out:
5h20
